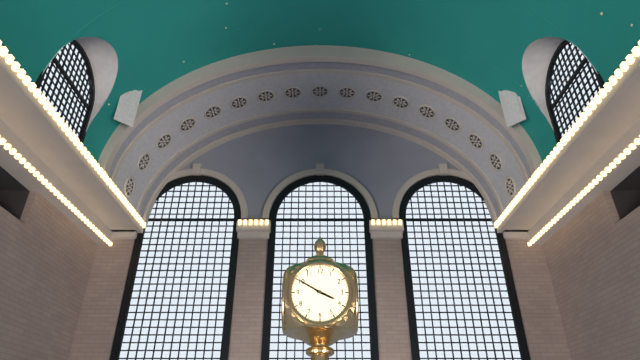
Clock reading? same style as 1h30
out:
3h50
